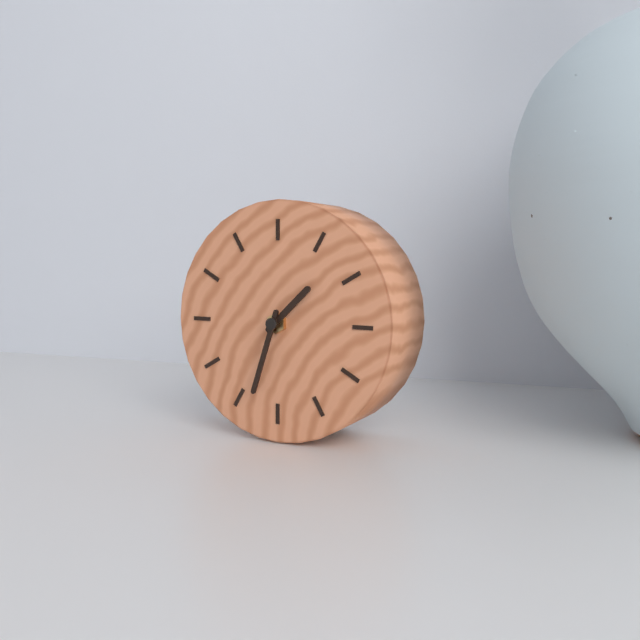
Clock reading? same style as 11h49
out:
1h33
